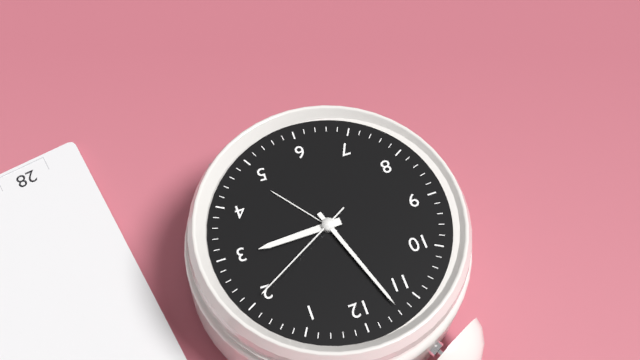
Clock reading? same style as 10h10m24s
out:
2h57m10s
